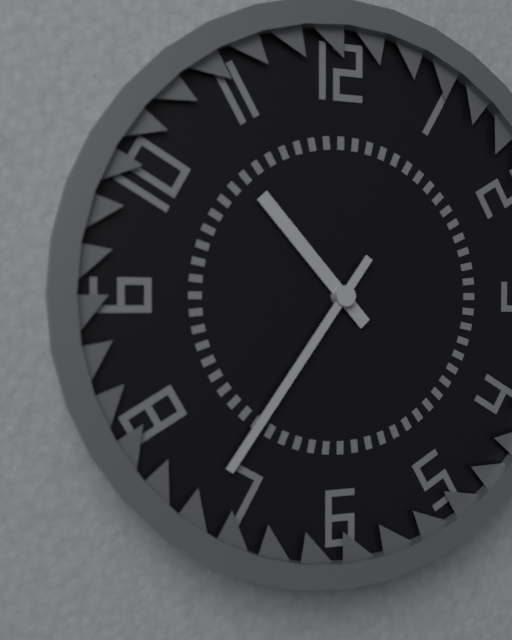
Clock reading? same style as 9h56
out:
10h36
